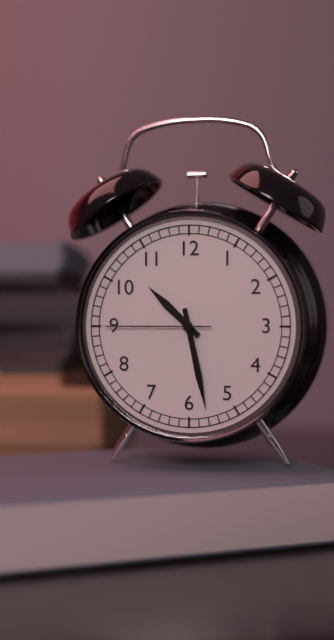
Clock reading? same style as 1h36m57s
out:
10h28m45s
